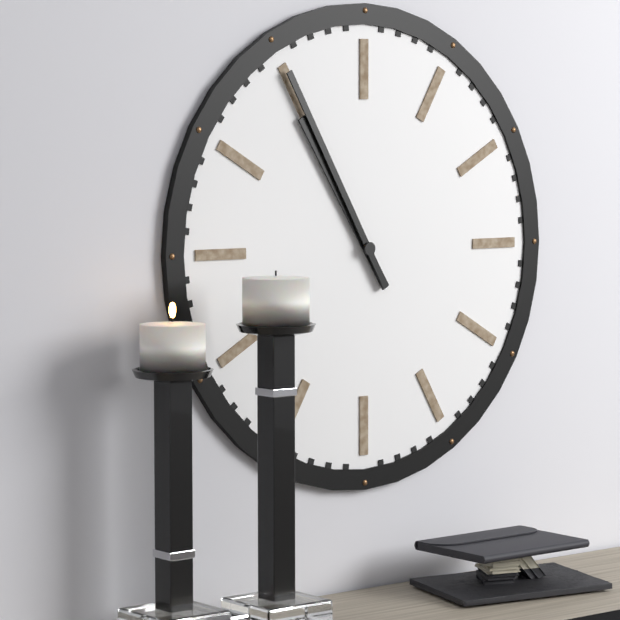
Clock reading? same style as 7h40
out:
10h55
